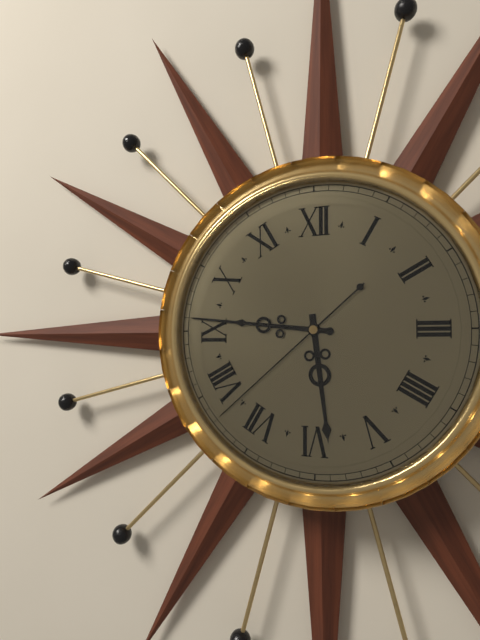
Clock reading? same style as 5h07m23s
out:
5h46m38s
